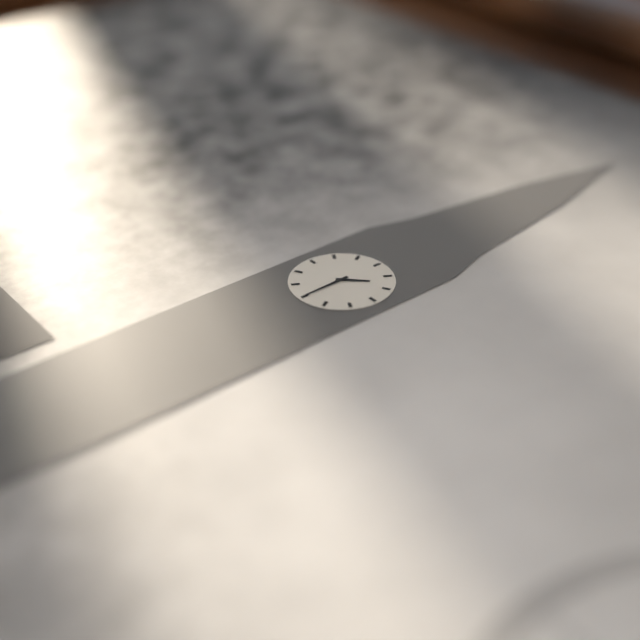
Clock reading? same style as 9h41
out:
1h30
